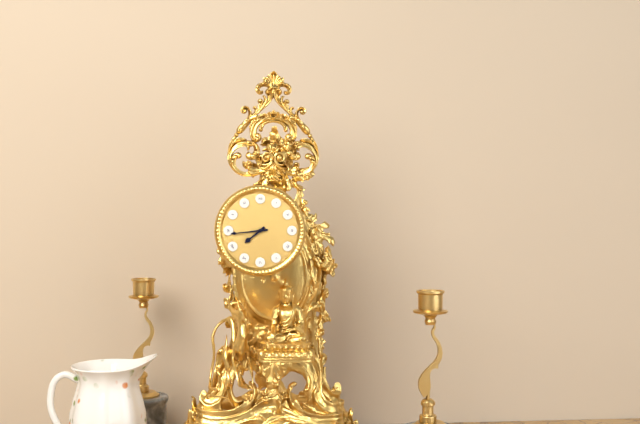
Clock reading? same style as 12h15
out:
7h44
